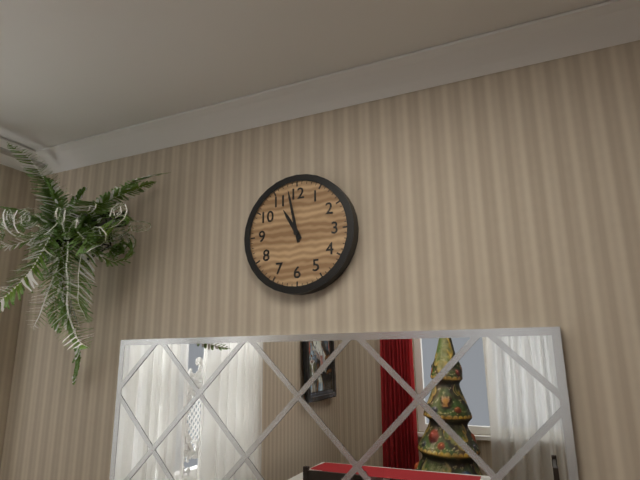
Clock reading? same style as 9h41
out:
10h58
